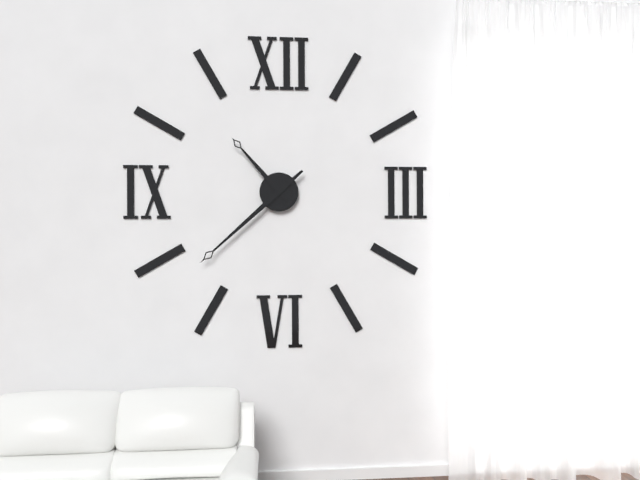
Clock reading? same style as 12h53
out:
10h38
